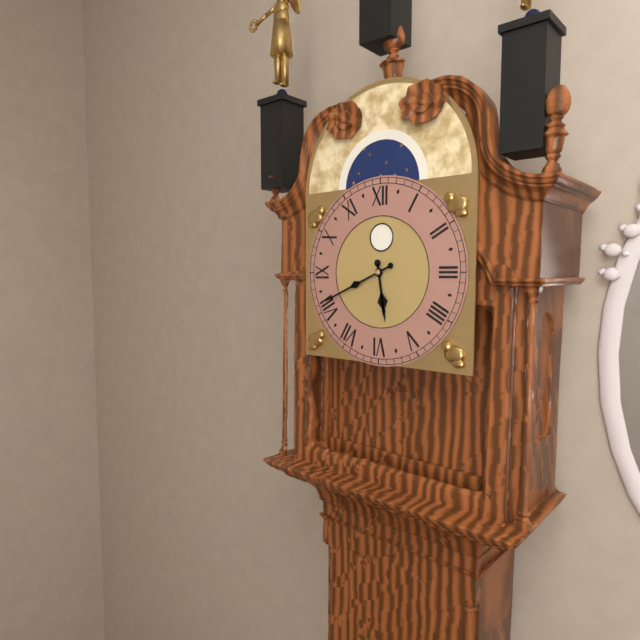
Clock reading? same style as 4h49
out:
5h41
